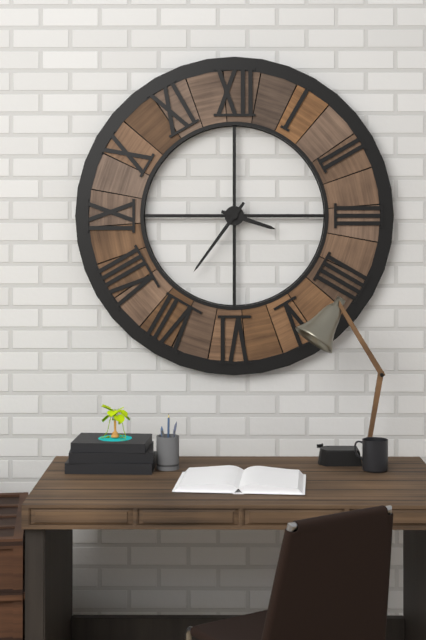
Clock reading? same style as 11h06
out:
3h36
